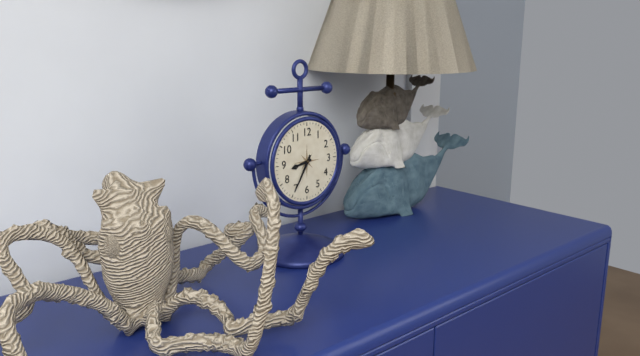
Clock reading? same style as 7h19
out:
8h35
